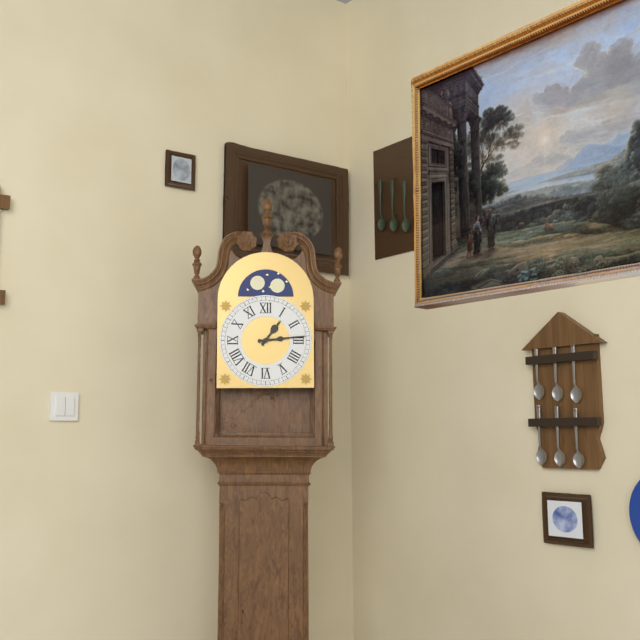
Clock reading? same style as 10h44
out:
1h14
